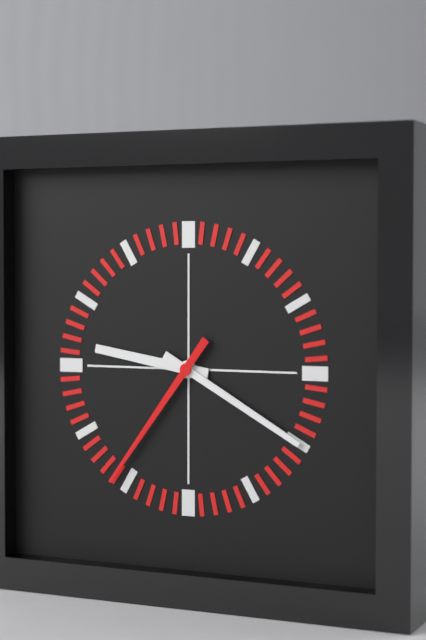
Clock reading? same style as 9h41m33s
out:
9h20m36s
